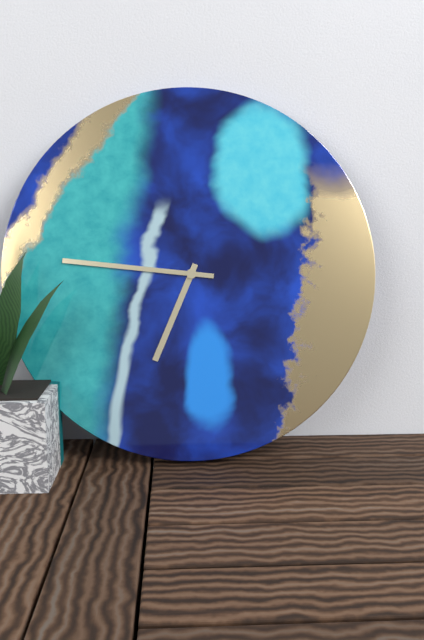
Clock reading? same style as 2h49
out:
6h46
